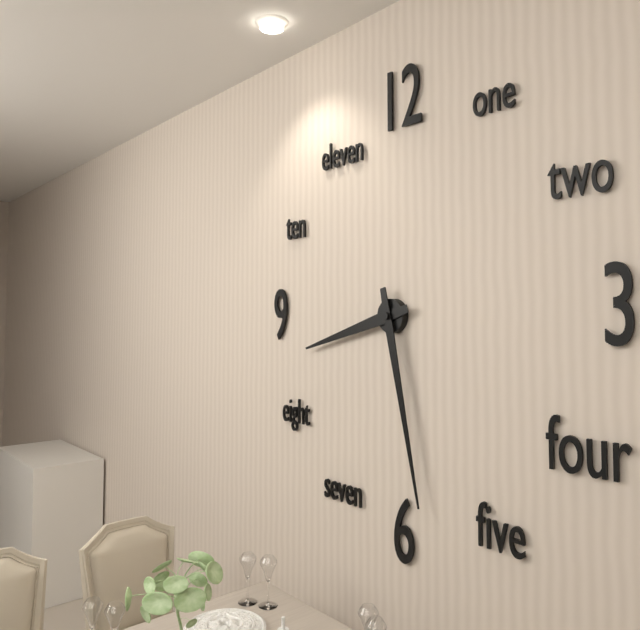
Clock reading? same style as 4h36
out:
8h28
